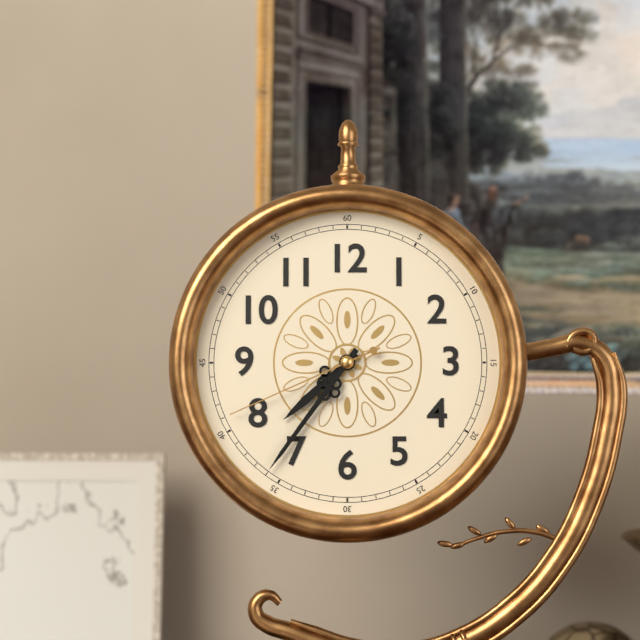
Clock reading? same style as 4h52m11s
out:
7h36m41s
